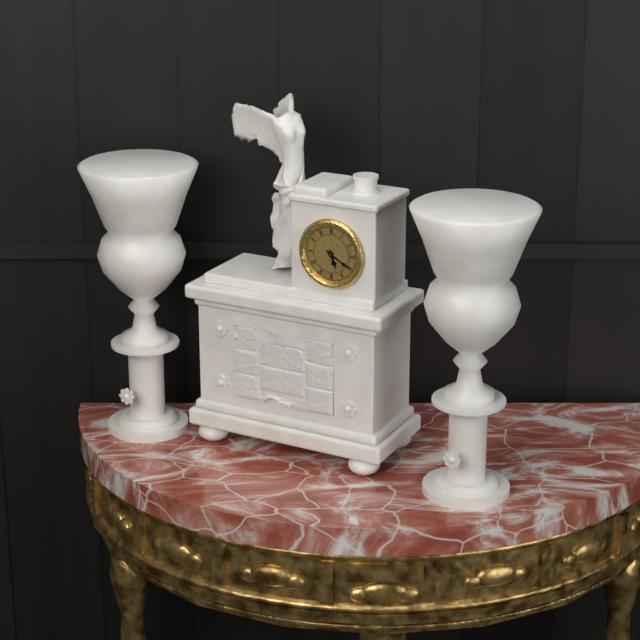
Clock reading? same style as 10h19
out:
5h20
